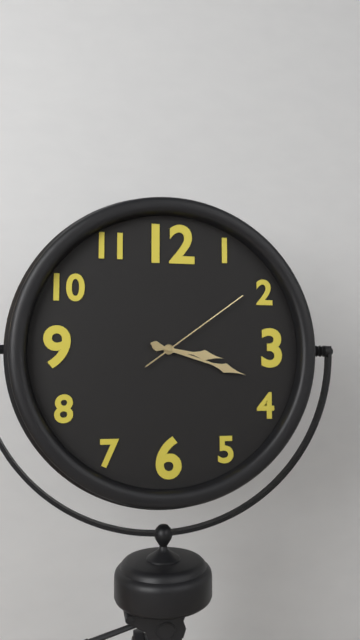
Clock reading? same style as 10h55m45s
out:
3h18m09s
